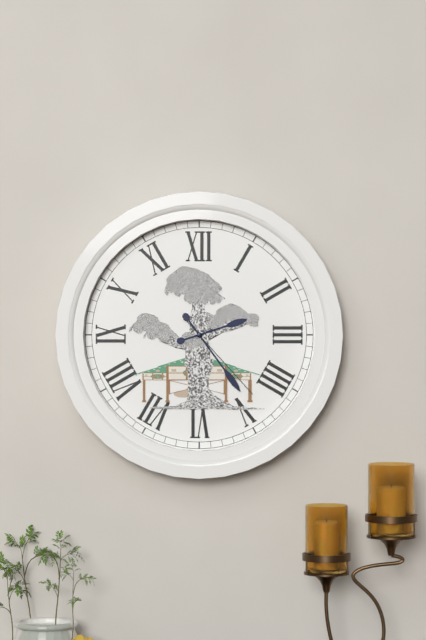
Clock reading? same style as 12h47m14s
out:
2h24m23s
